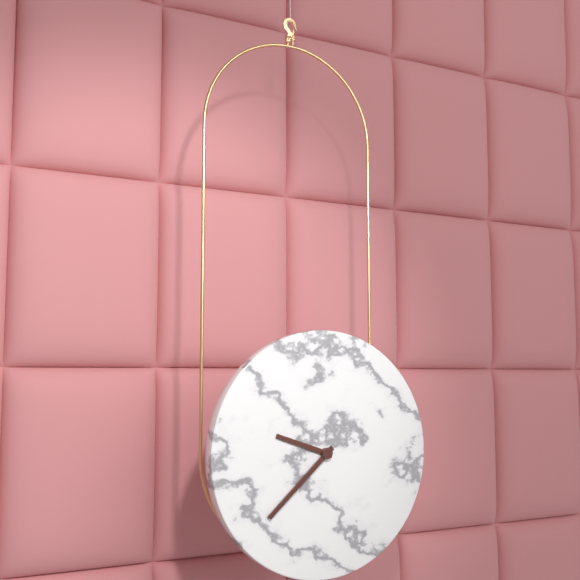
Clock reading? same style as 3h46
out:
9h38
